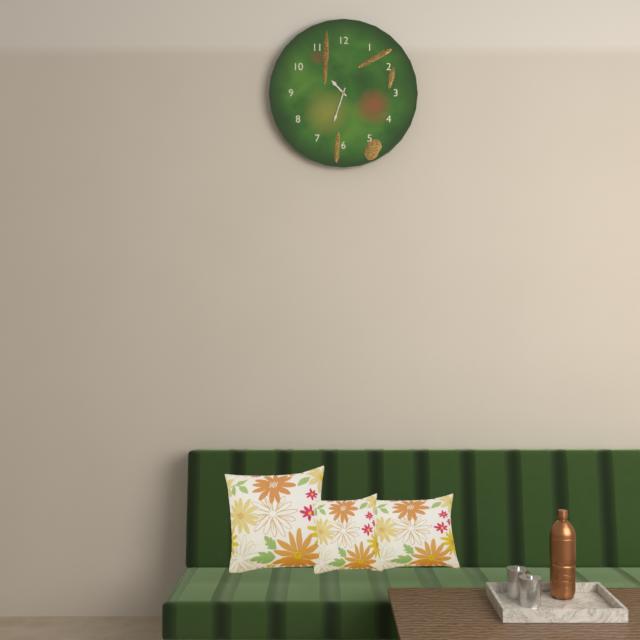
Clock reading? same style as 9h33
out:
10h33
